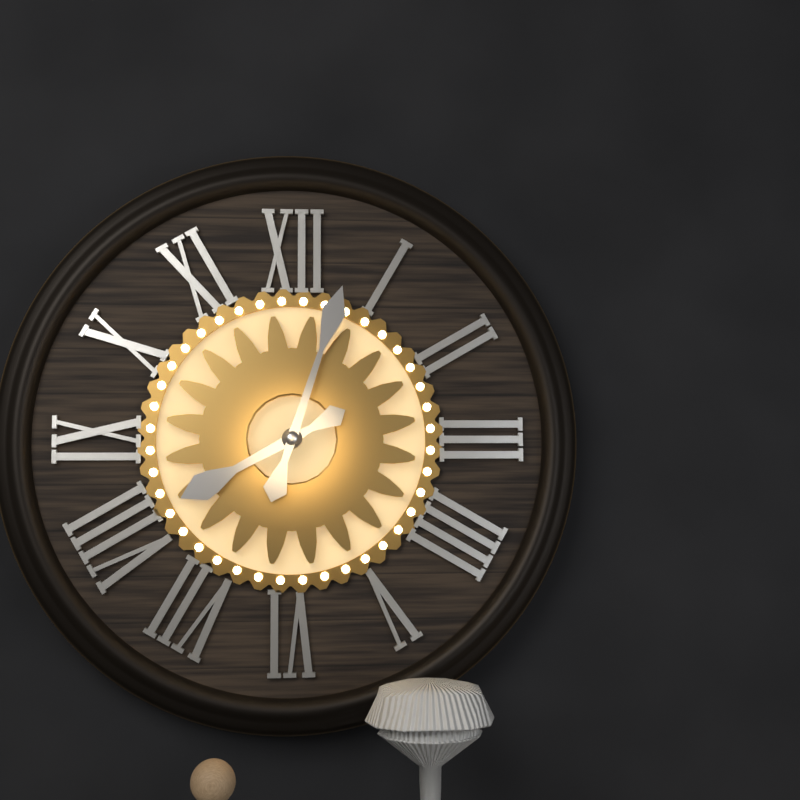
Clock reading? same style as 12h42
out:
8h03
